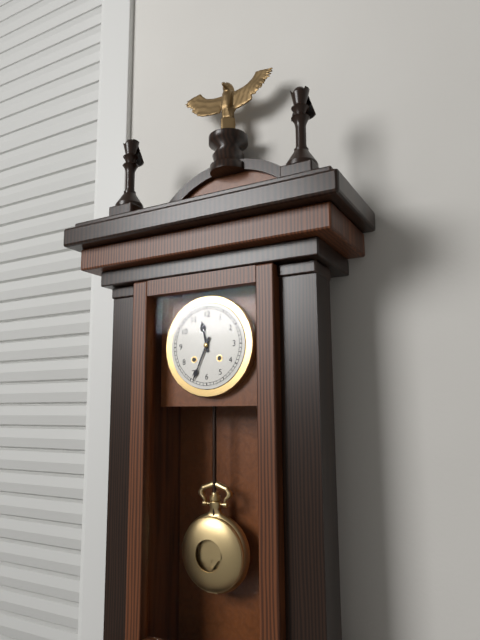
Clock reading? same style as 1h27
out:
11h34
